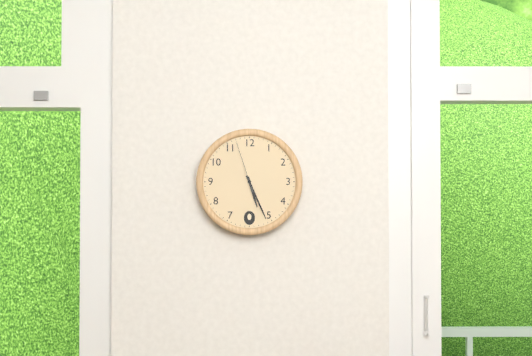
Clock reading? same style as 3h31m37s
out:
5h26m57s
